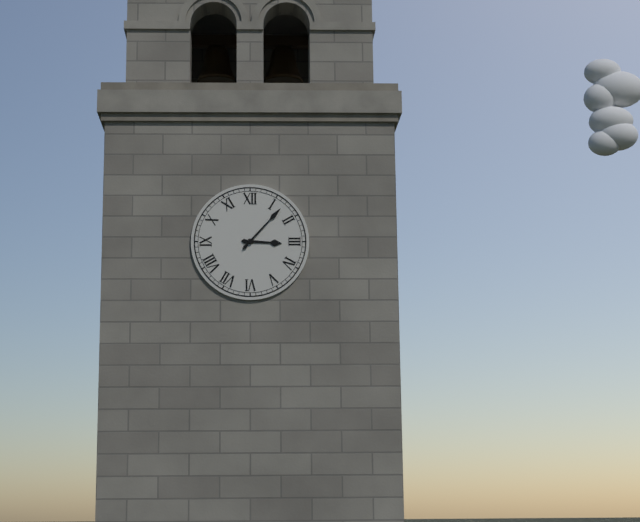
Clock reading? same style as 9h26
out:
3h07
